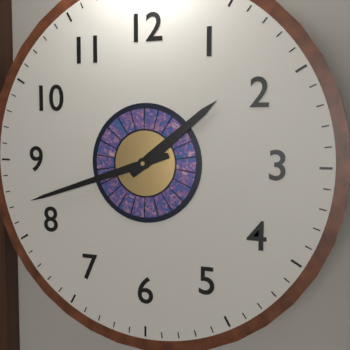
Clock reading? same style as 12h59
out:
1h42
